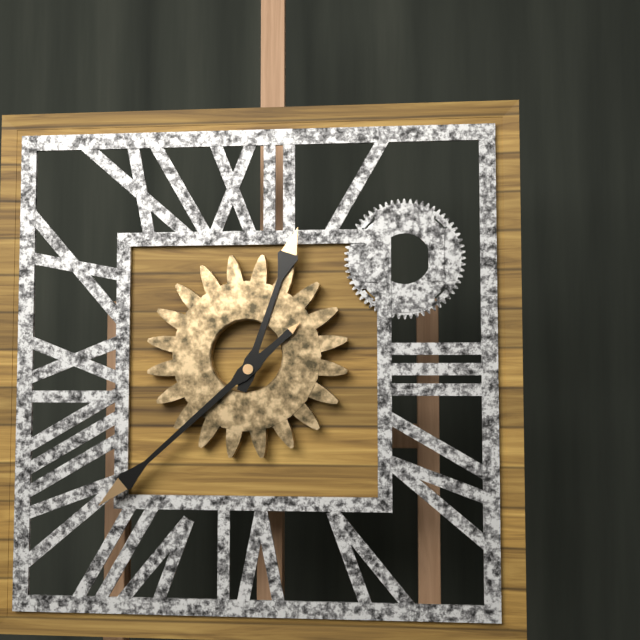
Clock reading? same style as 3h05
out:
12h38
